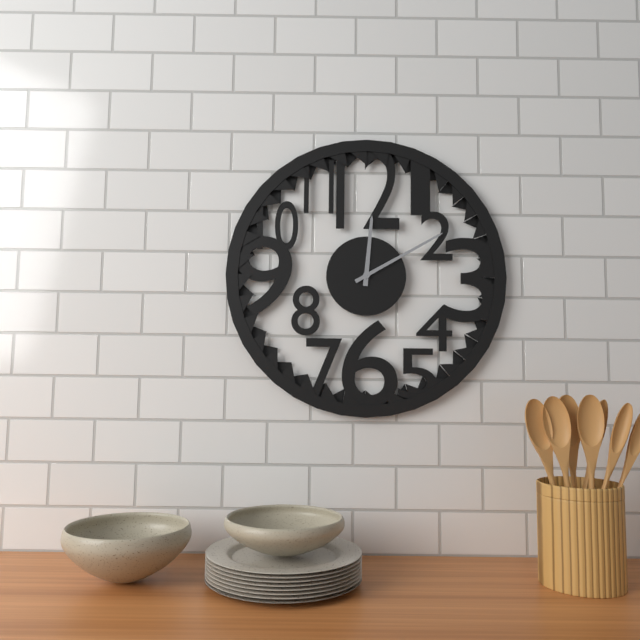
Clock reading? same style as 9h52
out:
12h10
